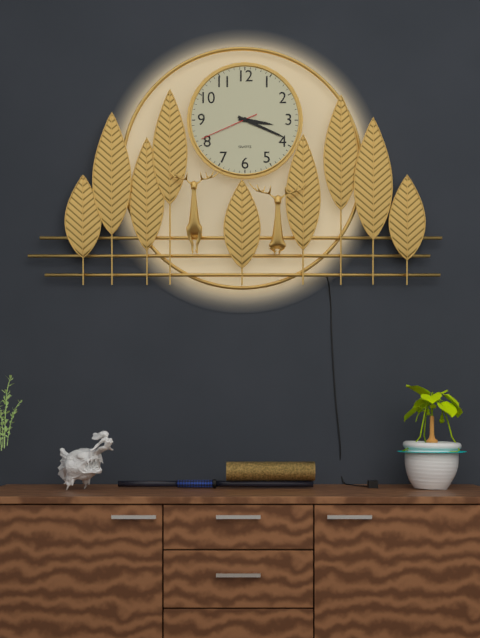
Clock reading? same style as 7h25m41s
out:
3h19m41s
